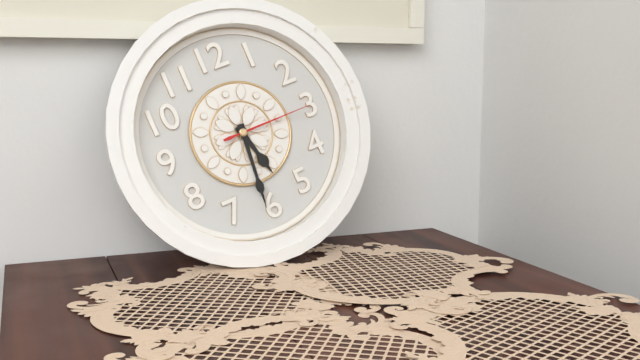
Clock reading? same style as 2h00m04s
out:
5h31m15s
